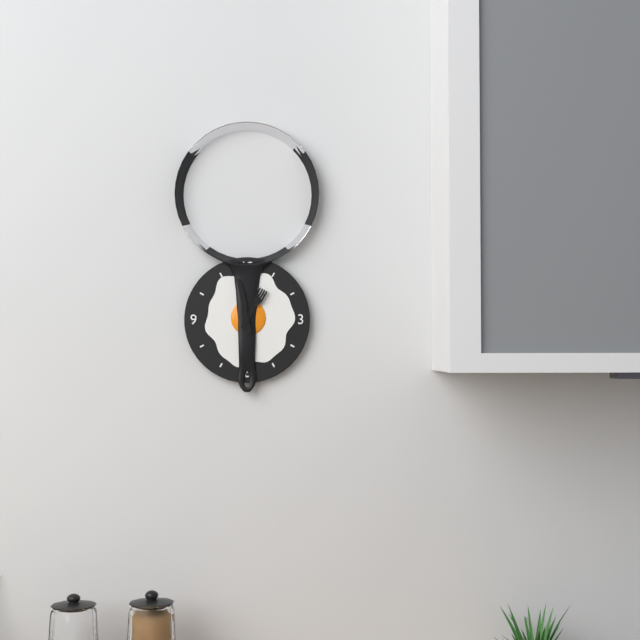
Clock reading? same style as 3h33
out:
12h58
